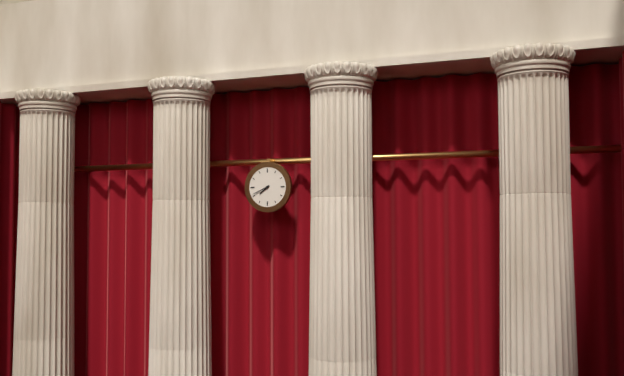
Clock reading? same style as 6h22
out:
7h41
